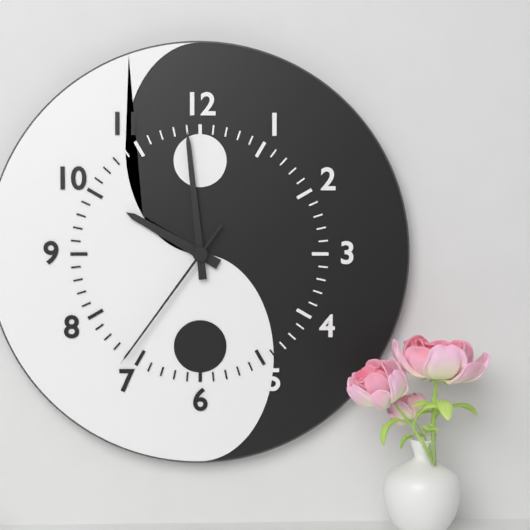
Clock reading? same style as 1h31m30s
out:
9h59m36s
